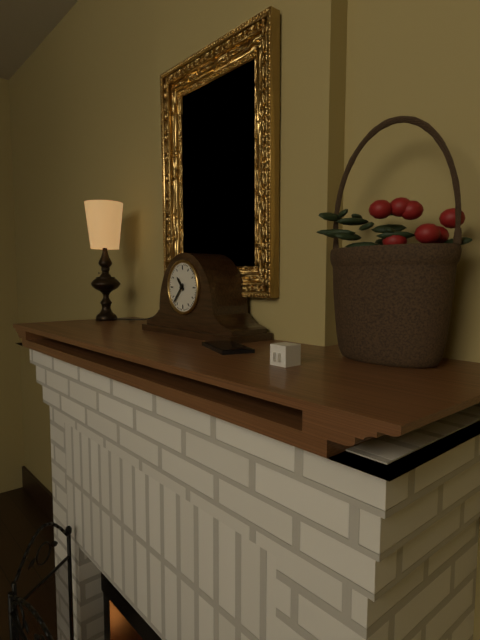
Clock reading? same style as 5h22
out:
10h37
